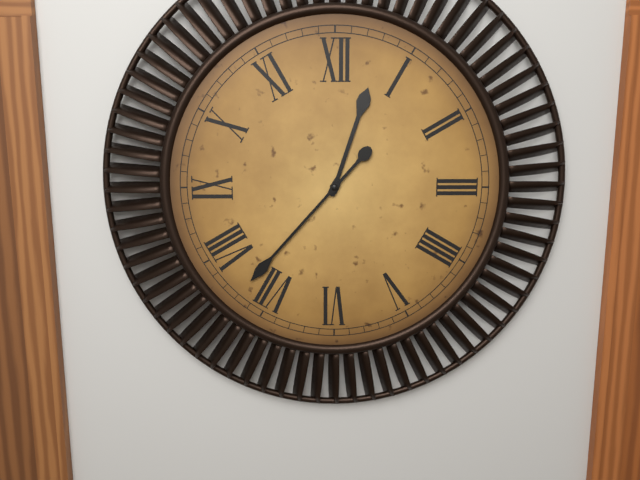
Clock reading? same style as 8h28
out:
12h37
